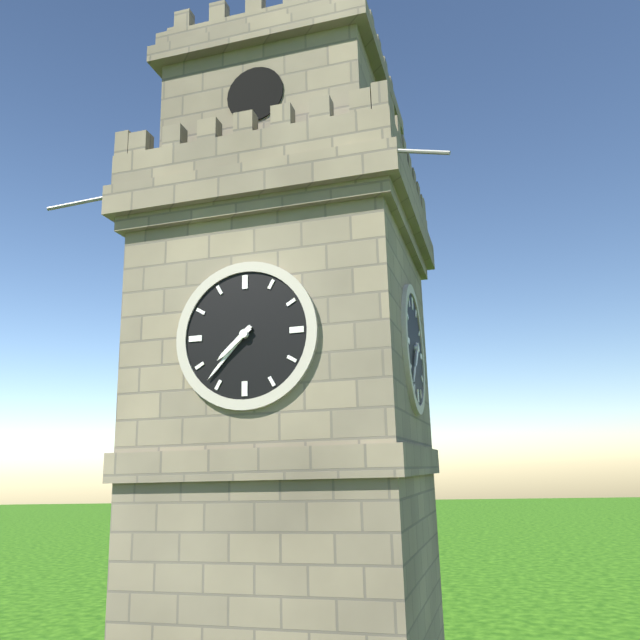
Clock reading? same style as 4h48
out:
7h37
